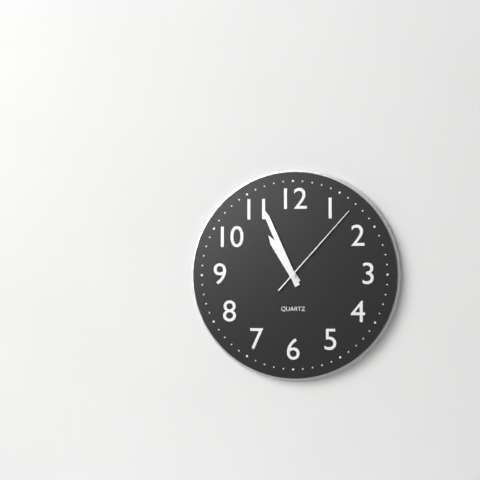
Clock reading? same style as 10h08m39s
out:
10h56m07s
